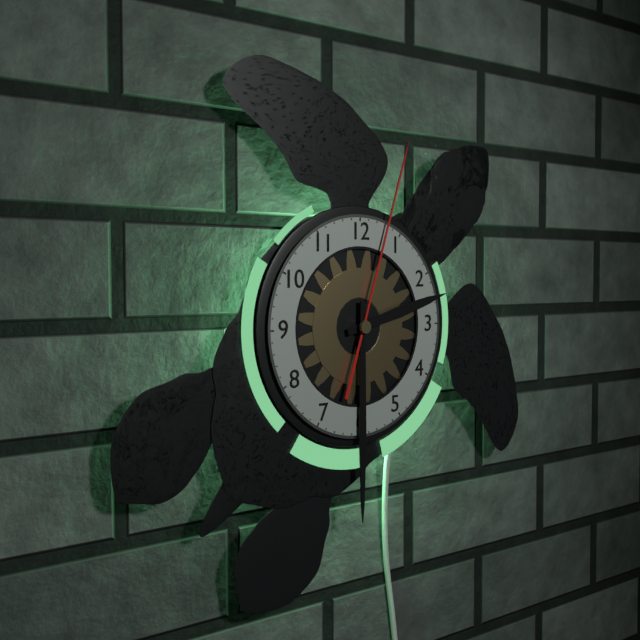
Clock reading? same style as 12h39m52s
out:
2h30m03s
